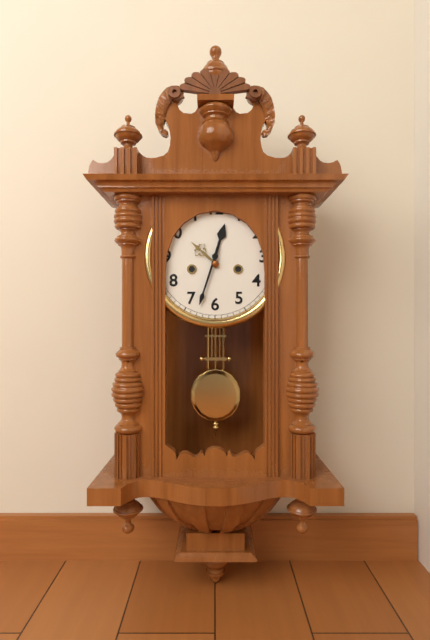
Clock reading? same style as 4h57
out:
12h33
